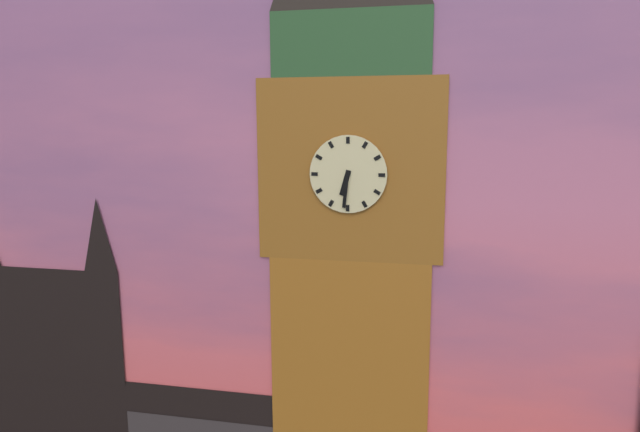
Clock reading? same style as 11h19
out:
6h31
